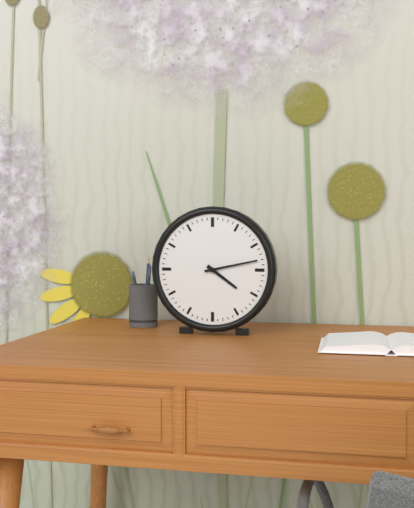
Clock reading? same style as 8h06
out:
4h13
